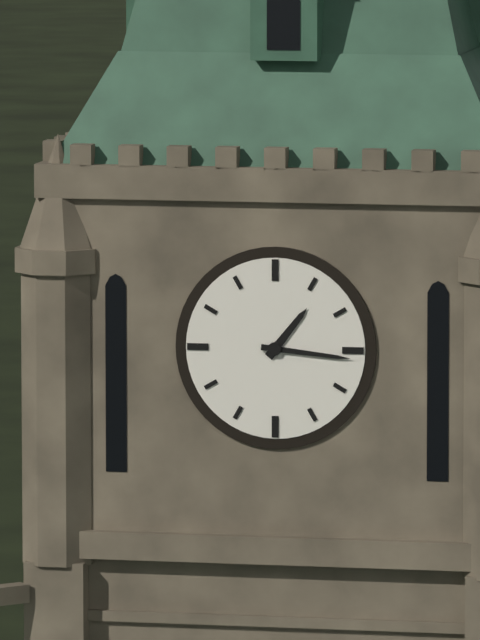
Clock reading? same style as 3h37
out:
1h16
